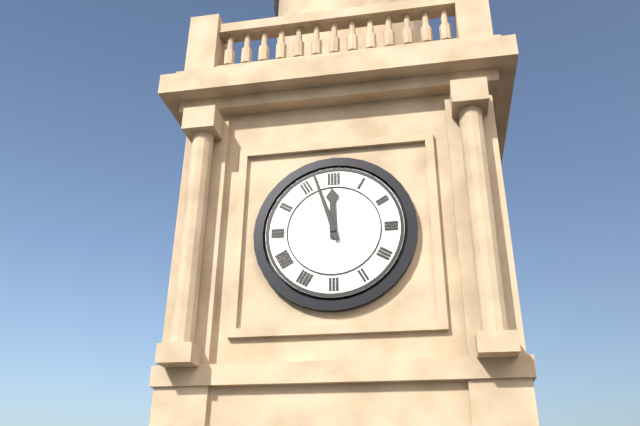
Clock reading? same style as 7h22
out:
11h57
